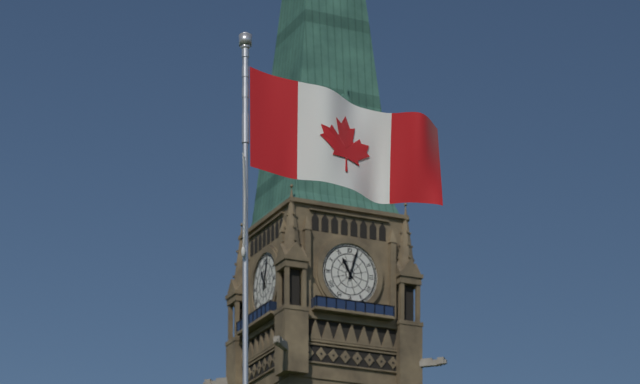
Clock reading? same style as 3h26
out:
11h03
